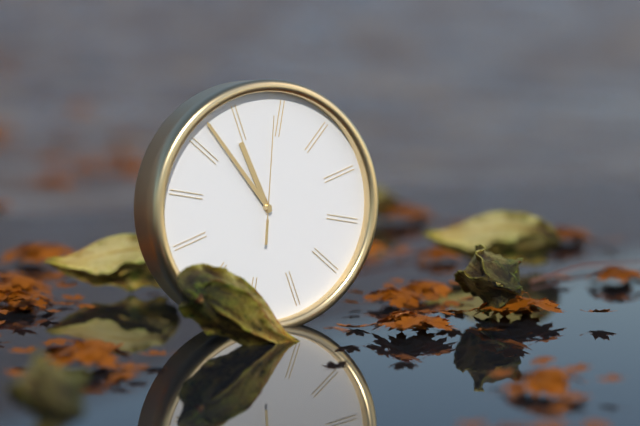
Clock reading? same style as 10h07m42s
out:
10h52m59s
